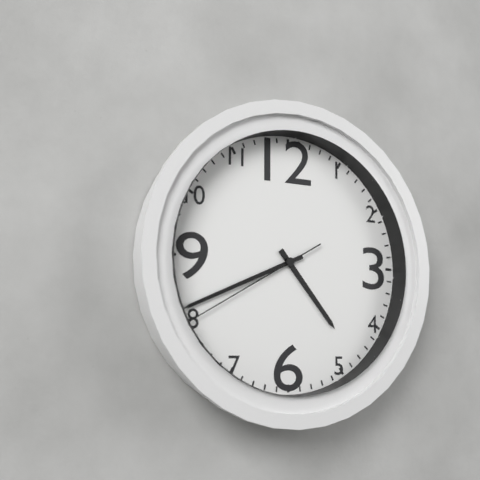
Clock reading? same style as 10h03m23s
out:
4h41m40s
